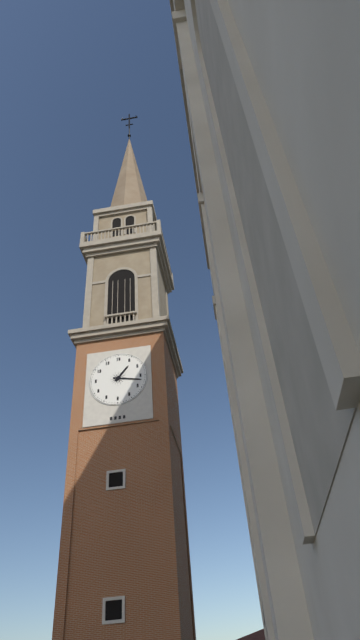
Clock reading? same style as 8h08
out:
1h17
